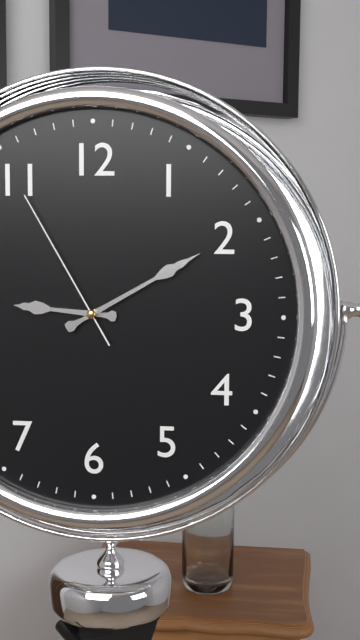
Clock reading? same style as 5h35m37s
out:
9h10m55s
